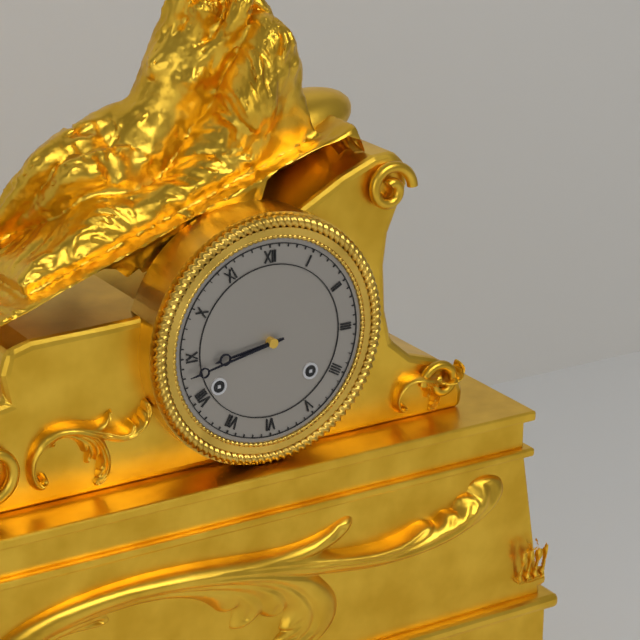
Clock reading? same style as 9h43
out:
8h43
